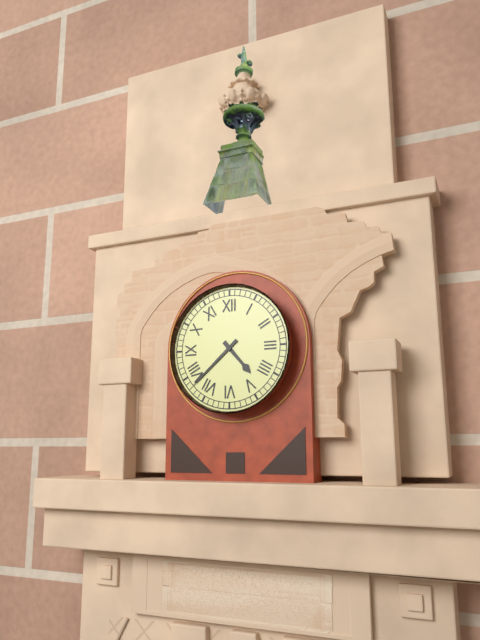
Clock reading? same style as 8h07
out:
4h38
